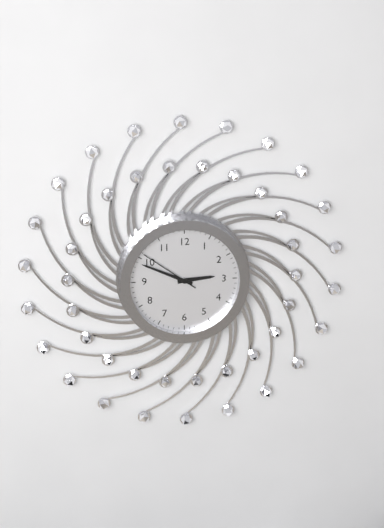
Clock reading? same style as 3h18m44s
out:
2h49m51s
